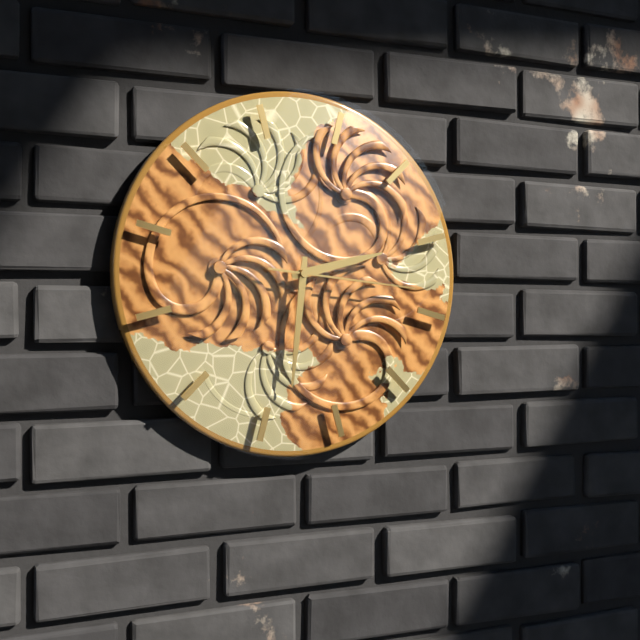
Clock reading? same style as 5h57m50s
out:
2h31m16s
